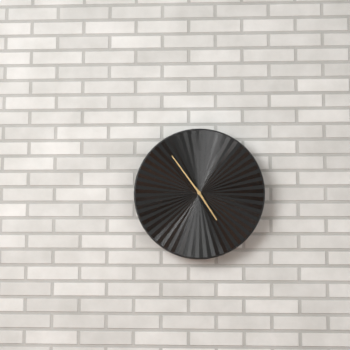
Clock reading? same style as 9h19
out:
4h54
